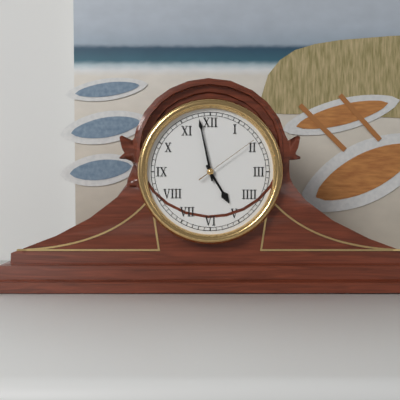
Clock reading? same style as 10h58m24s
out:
4h58m09s
